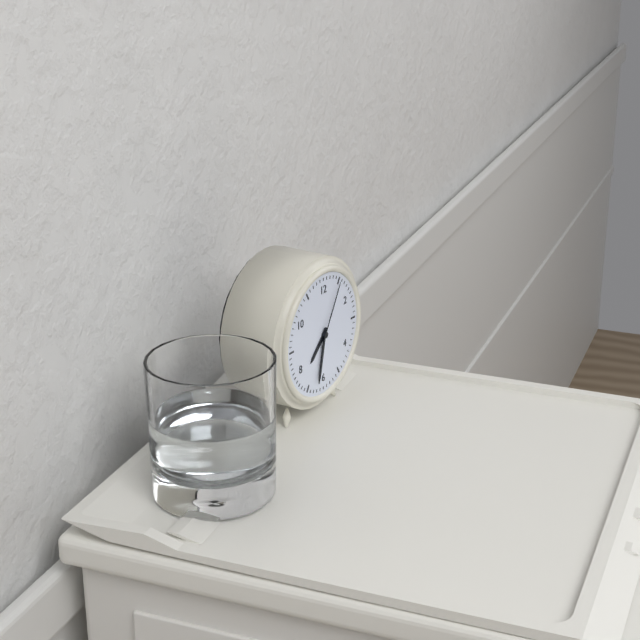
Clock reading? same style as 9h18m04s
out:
7h32m05s
